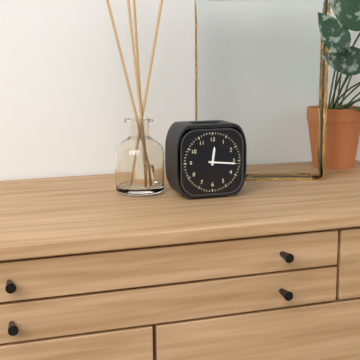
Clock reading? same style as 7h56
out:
12h16
